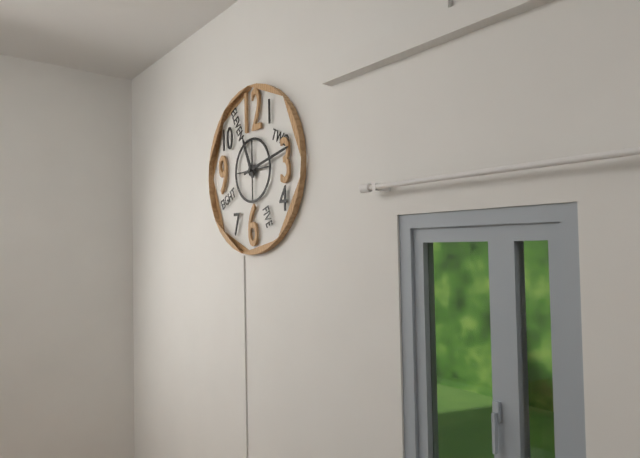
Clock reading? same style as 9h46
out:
11h13
